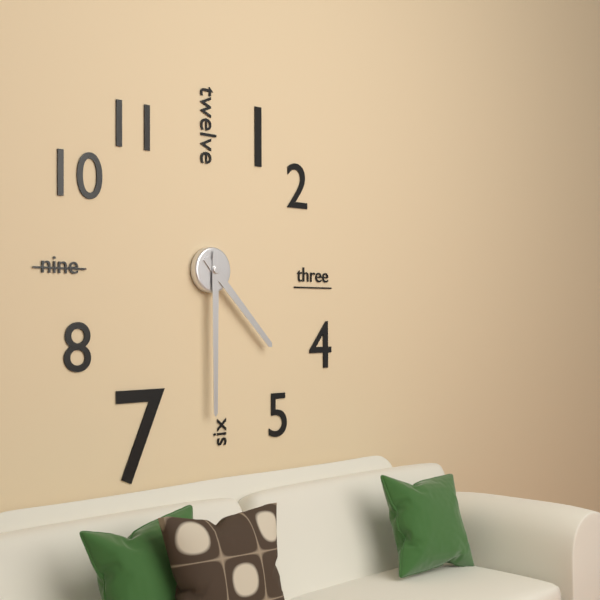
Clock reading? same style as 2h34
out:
4h30
